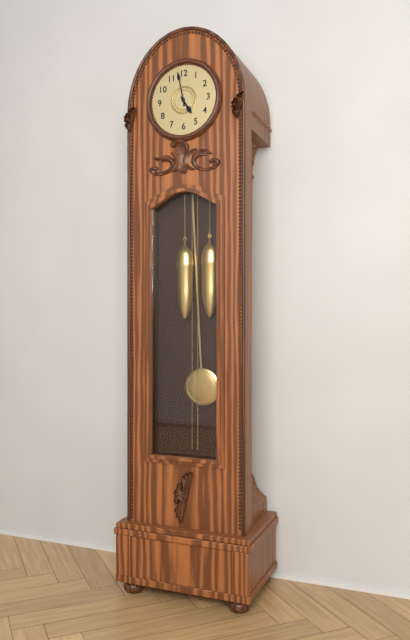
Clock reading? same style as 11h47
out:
4h58
